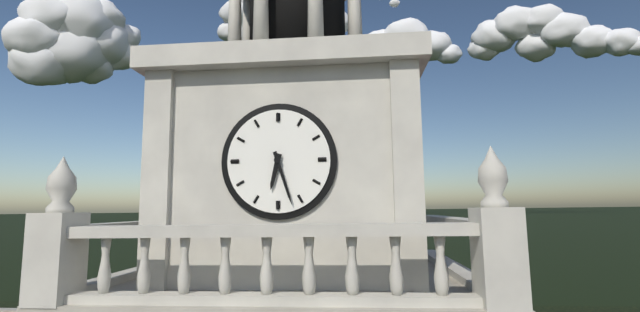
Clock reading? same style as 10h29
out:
6h27
